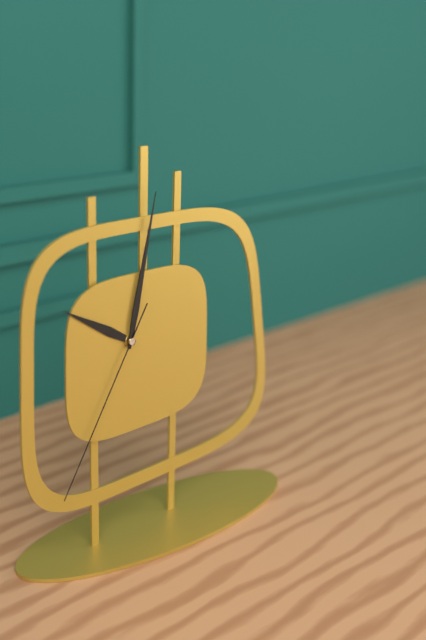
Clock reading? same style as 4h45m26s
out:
10h02m35s
